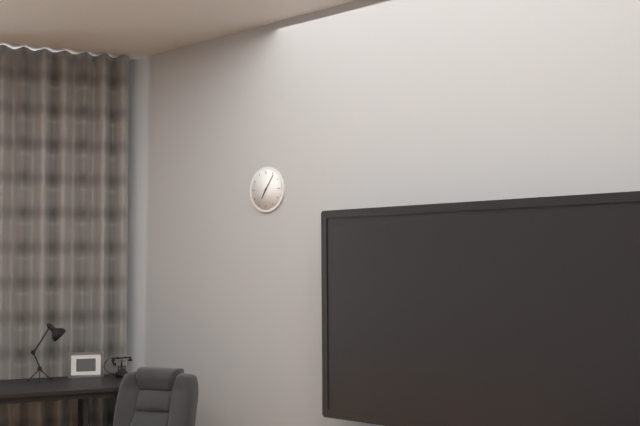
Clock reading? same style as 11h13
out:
7h06
